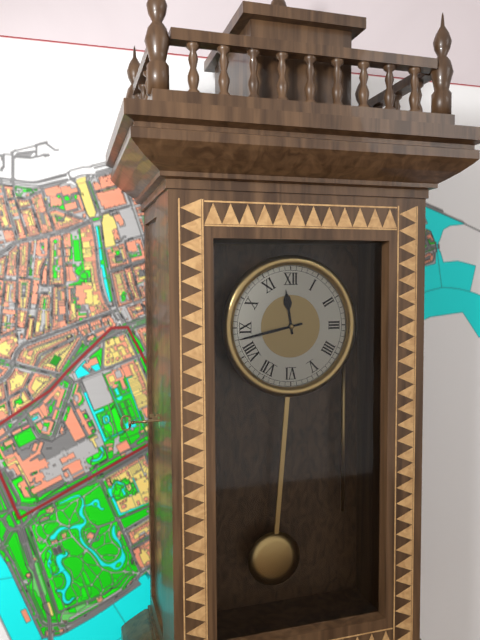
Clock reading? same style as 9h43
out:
11h43
